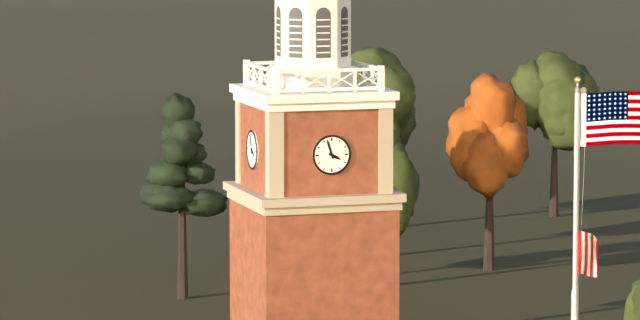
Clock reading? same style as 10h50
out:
3h57
